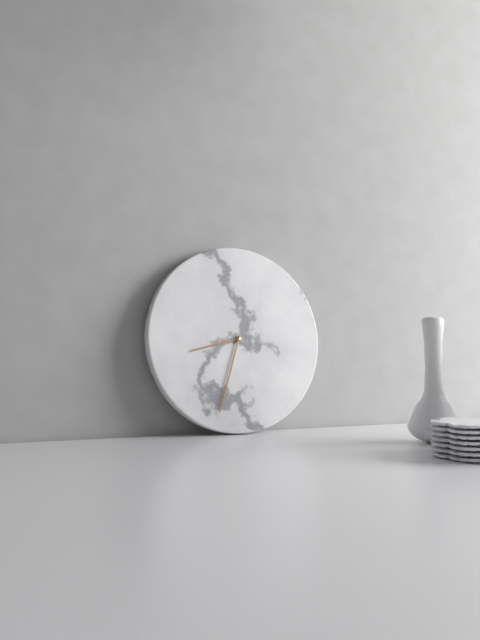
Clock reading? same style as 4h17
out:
8h33
